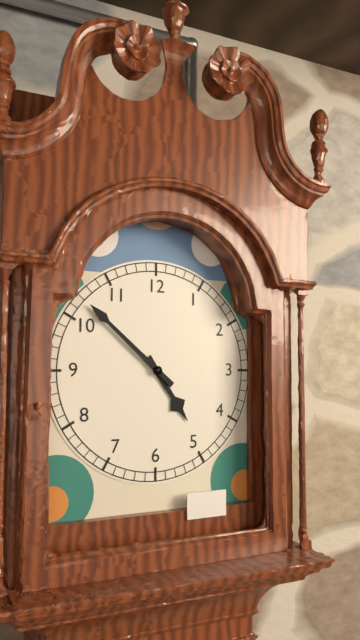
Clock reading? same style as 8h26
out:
4h52
